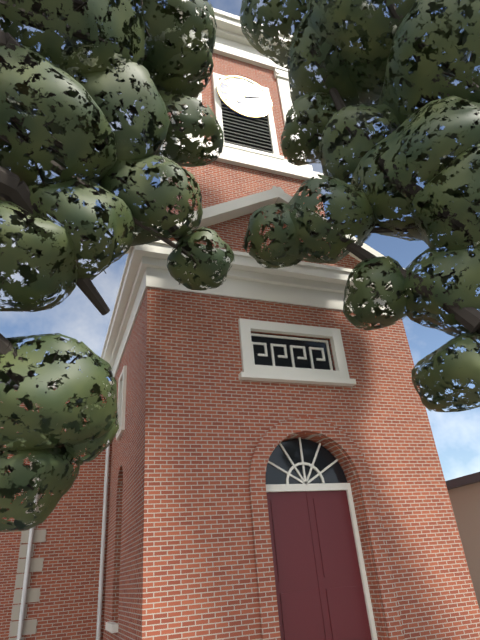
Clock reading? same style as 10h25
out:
7h12
